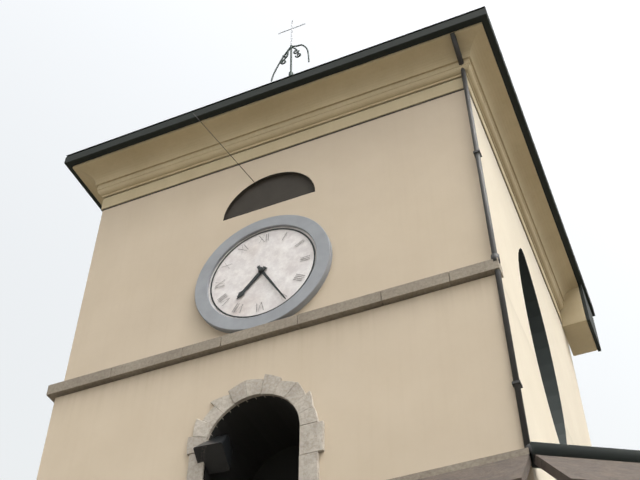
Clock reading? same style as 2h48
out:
7h25
